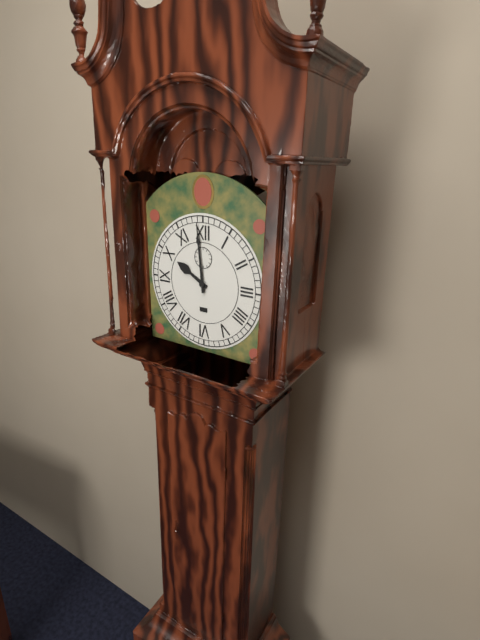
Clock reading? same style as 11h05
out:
9h59
